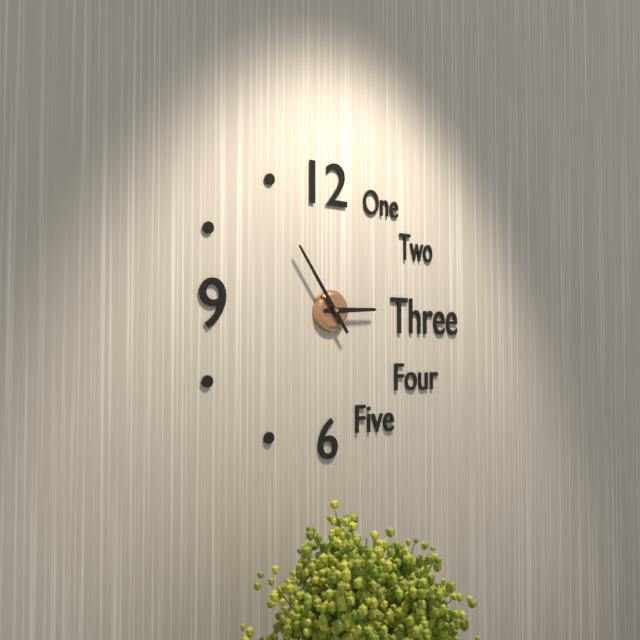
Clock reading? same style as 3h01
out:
2h54
